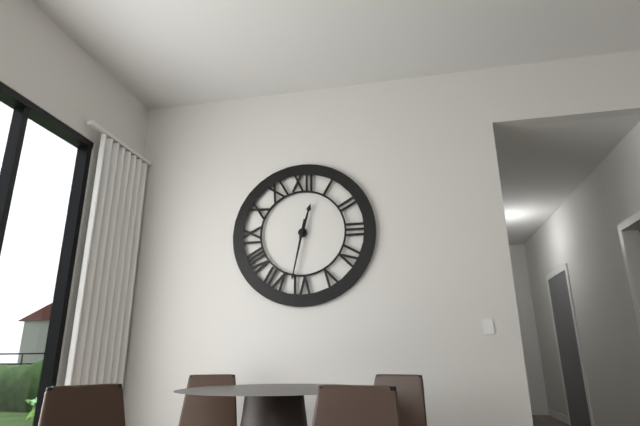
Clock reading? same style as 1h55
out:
12h32
